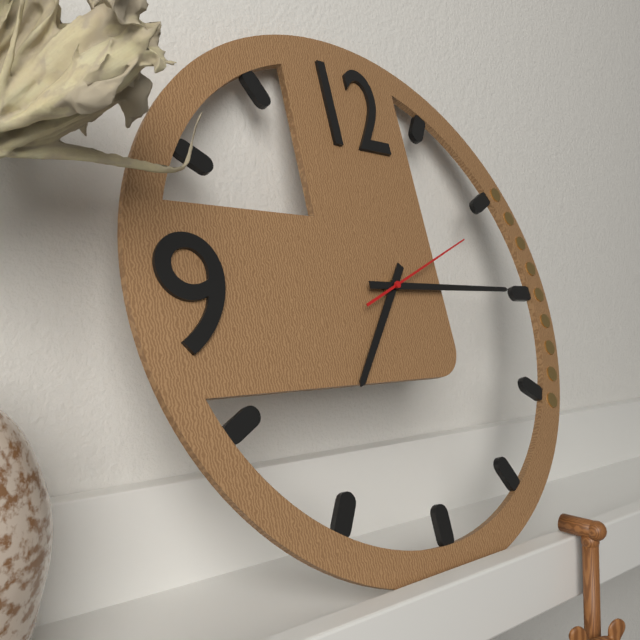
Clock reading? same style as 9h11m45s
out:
7h15m11s
